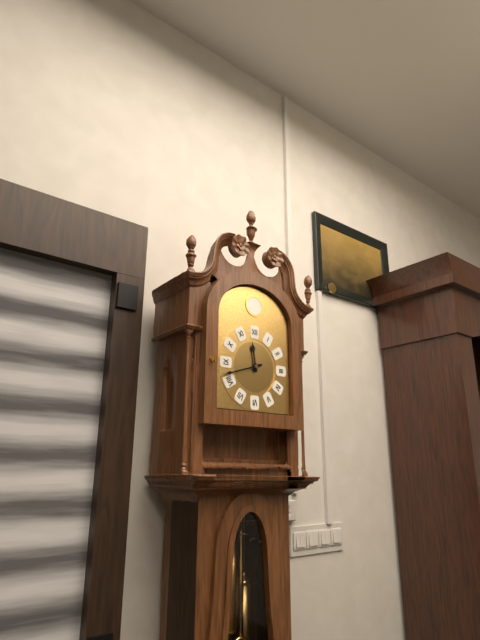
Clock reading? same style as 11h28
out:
11h42
